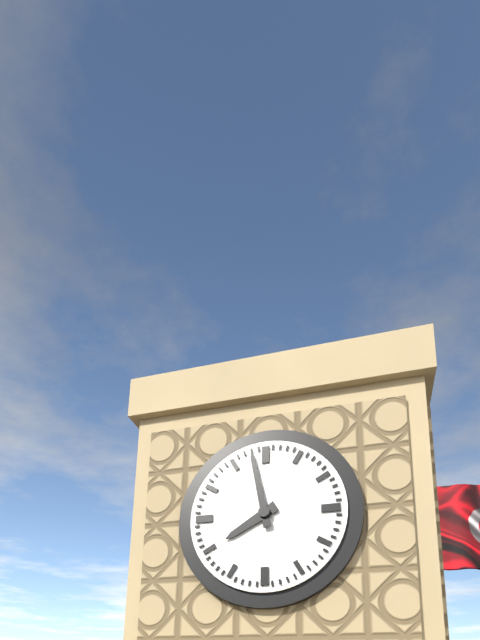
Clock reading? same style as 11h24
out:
7h58
